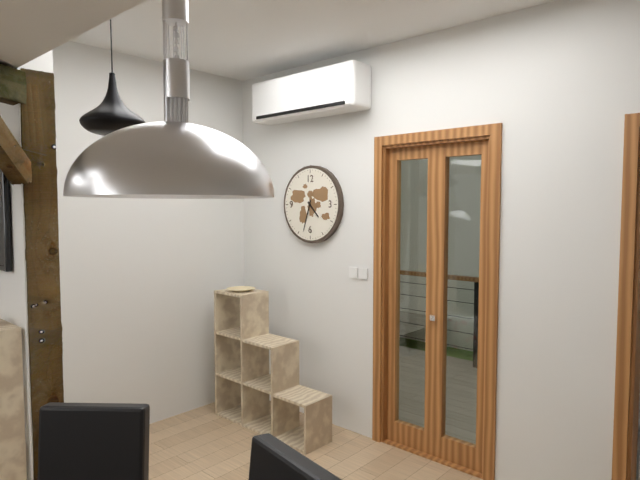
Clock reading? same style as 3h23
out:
4h33
